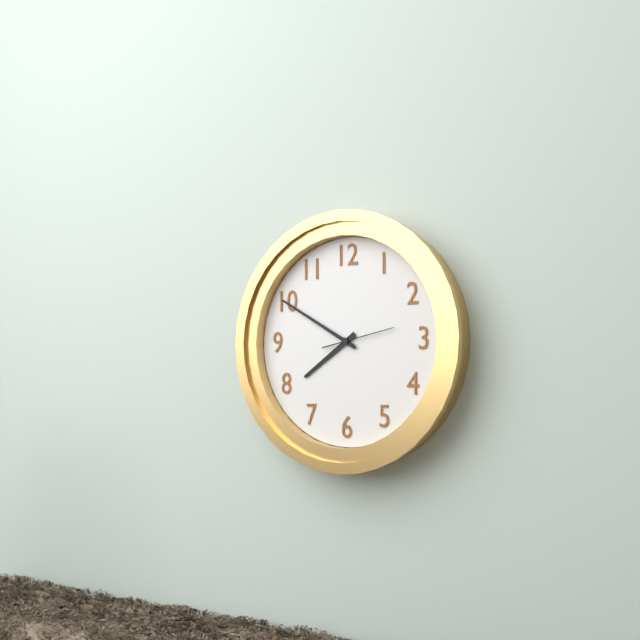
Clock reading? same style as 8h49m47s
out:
7h50m13s
